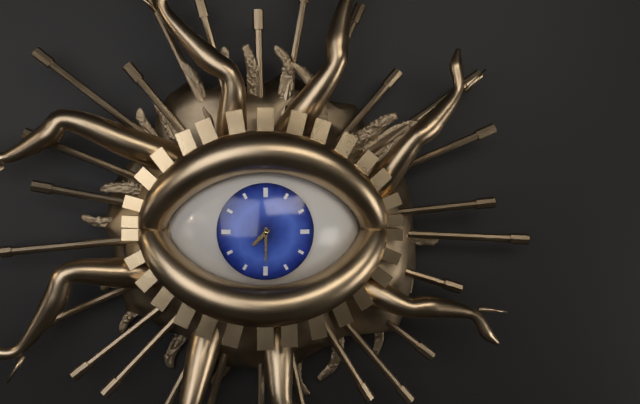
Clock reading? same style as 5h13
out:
7h30
